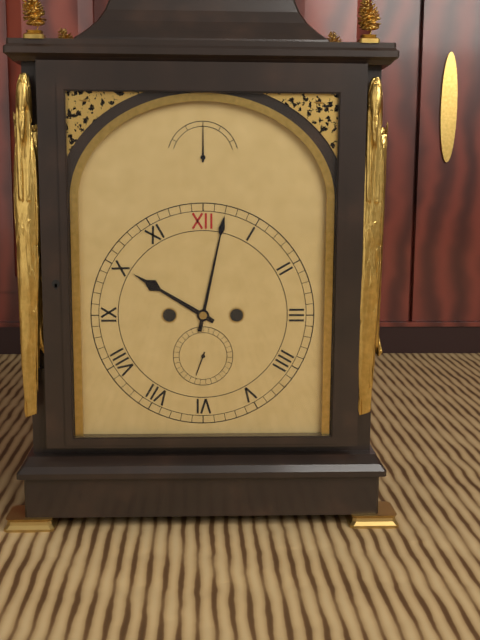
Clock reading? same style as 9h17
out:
10h02
